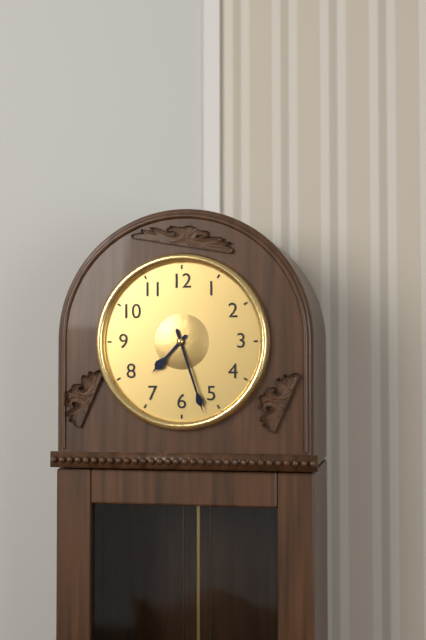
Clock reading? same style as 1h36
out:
7h27
